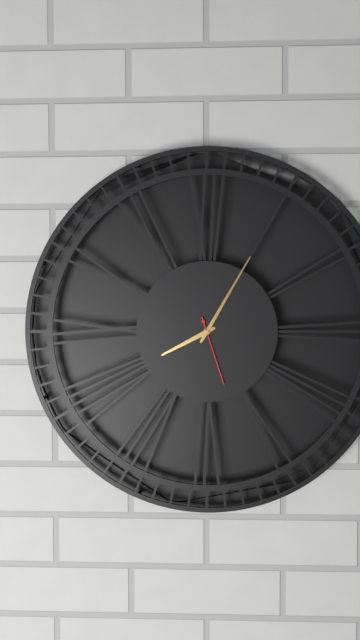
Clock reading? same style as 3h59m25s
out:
8h05m27s
